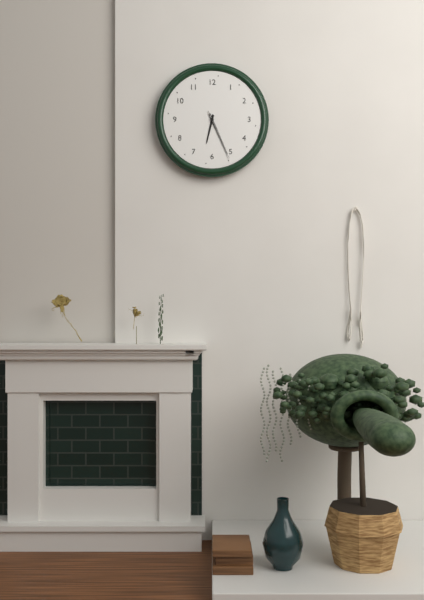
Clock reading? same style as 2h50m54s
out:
6h26m26s
